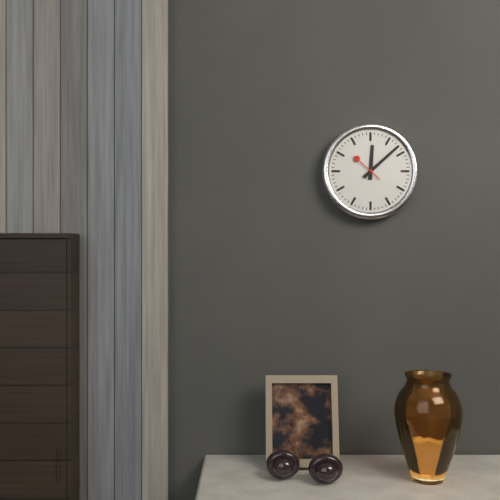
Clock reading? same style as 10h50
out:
12h08
